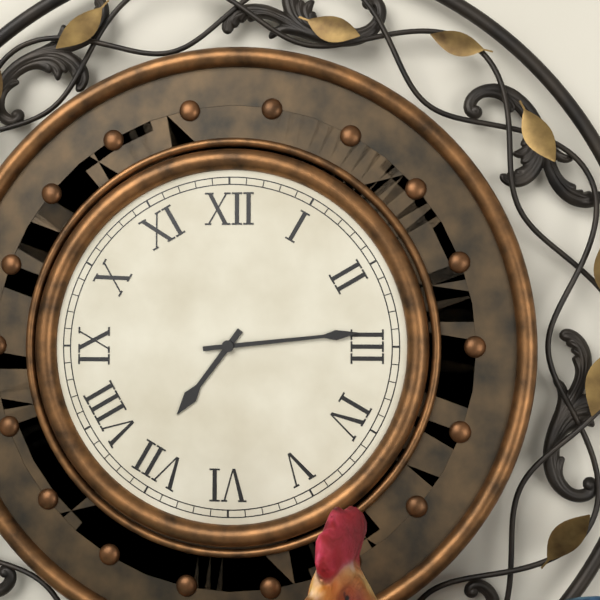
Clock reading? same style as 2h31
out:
7h14
